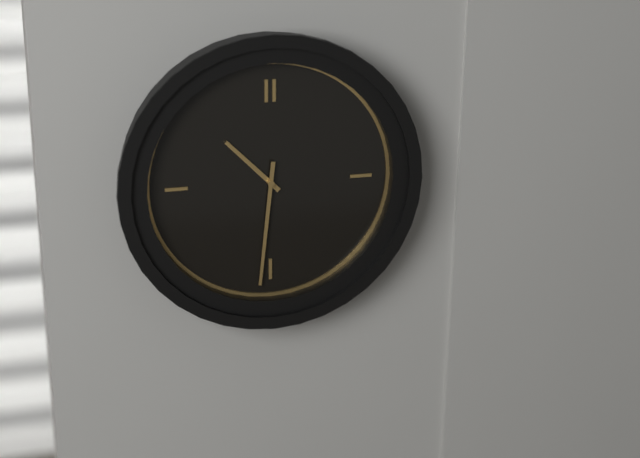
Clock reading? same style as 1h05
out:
10h31
